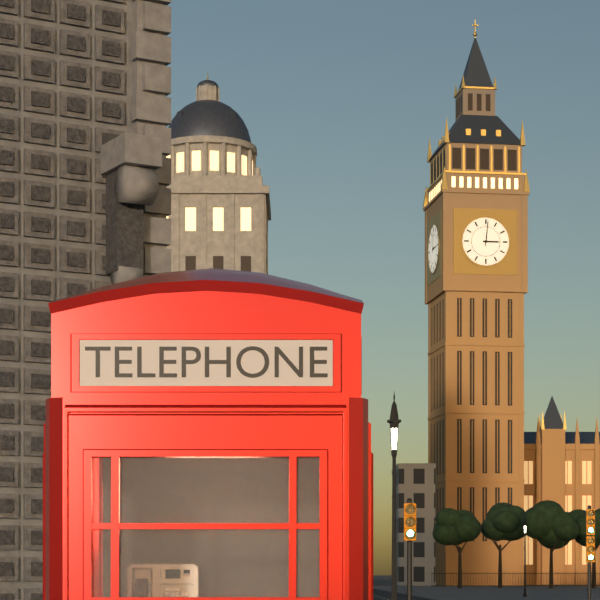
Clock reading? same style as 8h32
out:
3h01
